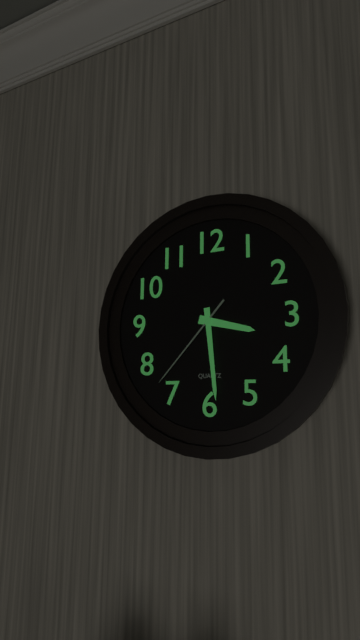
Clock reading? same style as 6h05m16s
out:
3h29m37s
